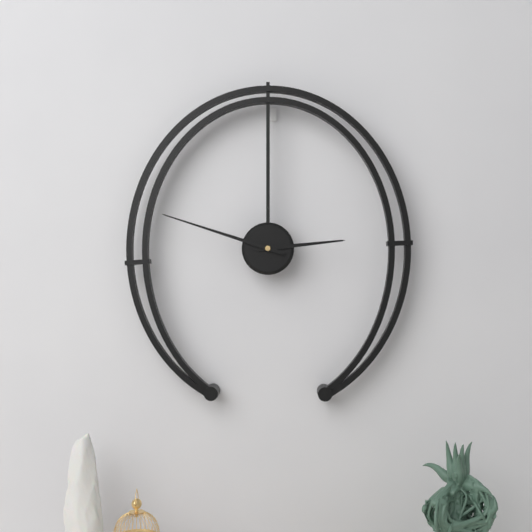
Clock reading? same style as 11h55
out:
2h48
